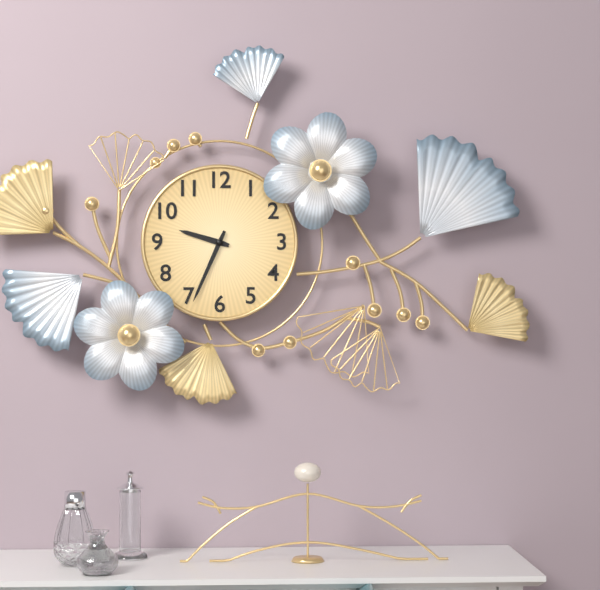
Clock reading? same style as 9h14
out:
9h34
